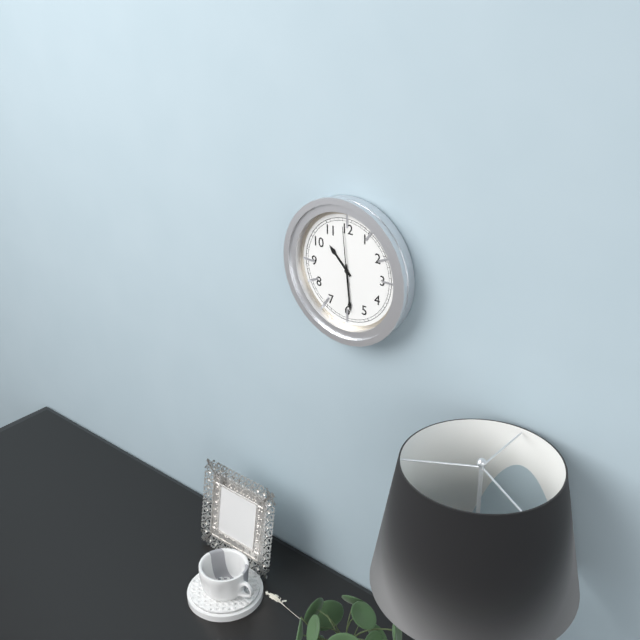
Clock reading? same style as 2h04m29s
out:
10h29m59s
